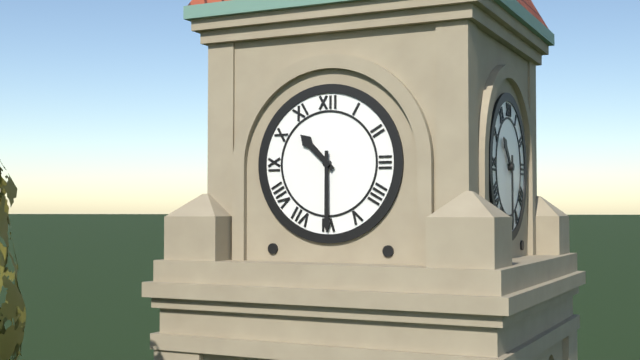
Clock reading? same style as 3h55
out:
10h30
